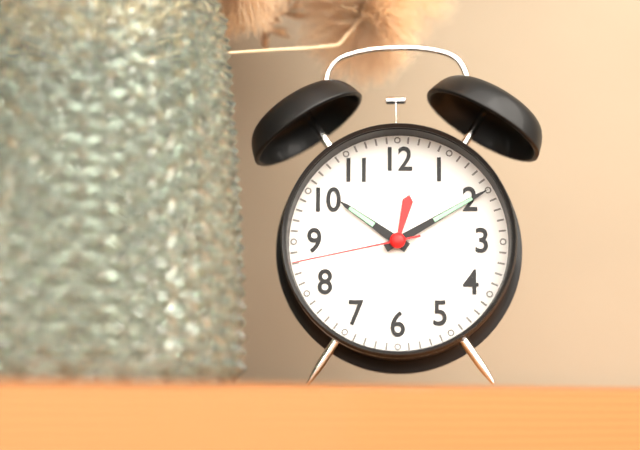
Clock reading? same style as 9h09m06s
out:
10h10m43s
